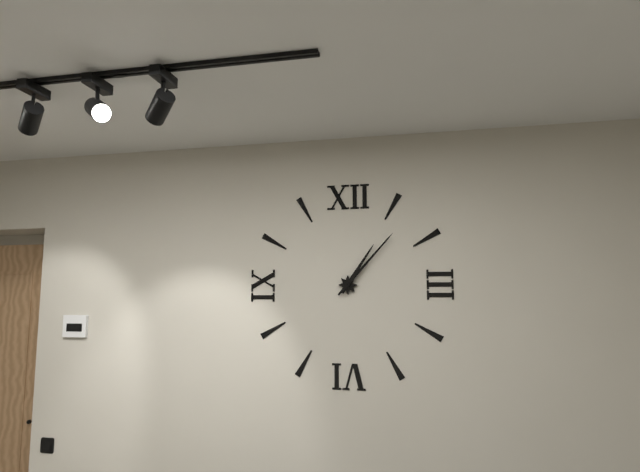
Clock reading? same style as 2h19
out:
1h07
